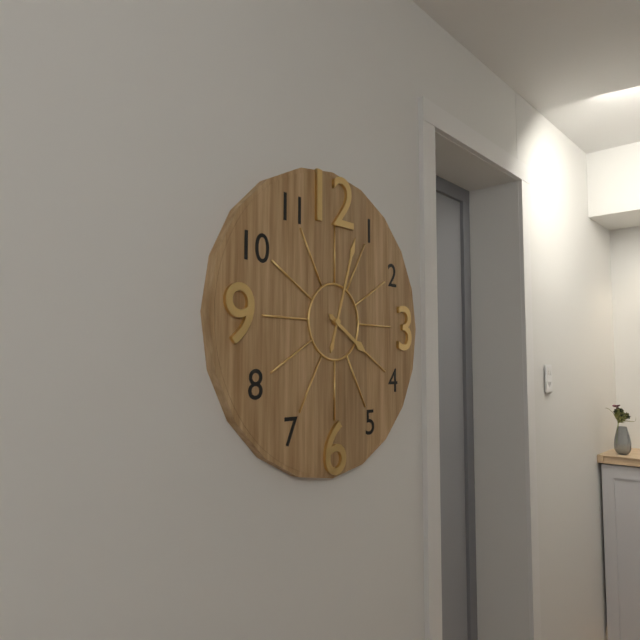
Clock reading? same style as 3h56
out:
4h03
